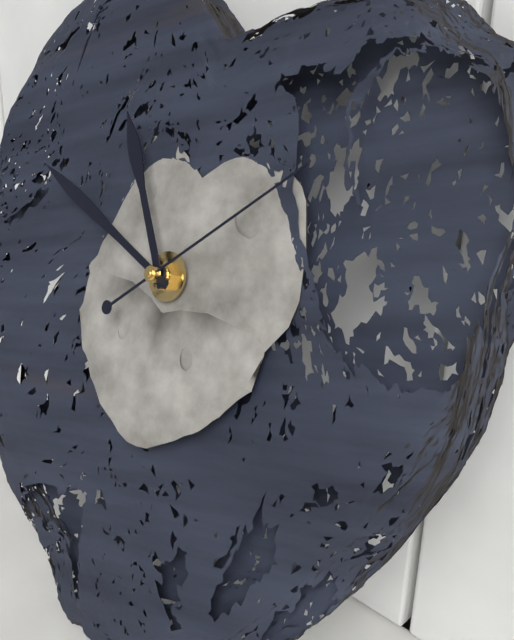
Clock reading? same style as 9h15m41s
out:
10h48m08s
